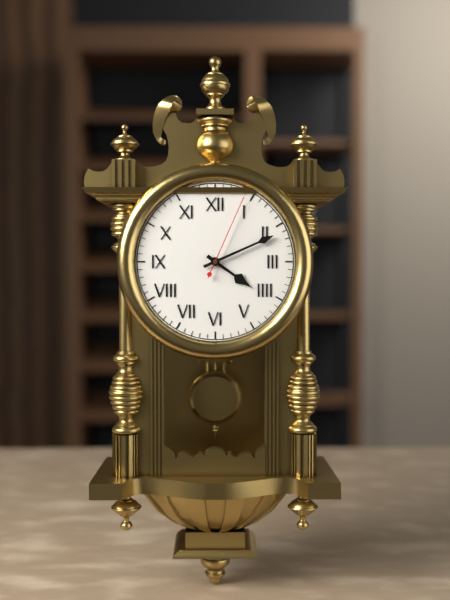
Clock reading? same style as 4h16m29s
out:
4h11m04s
